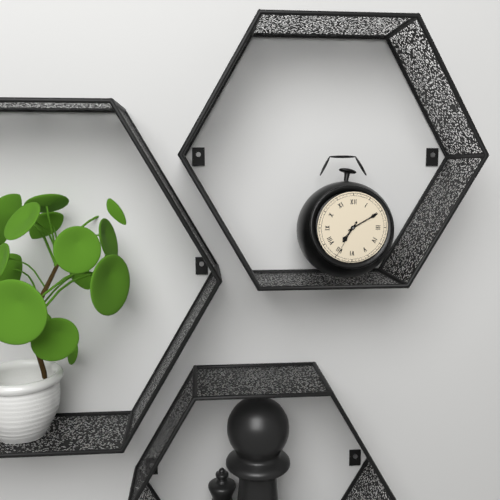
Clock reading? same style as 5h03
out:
7h10
